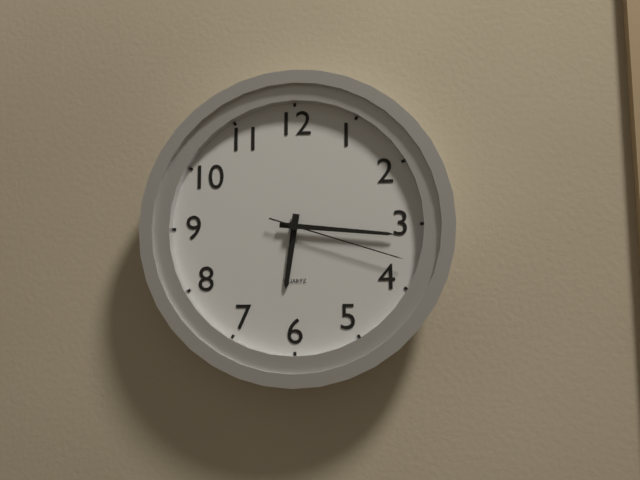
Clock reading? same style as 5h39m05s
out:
6h16m18s
